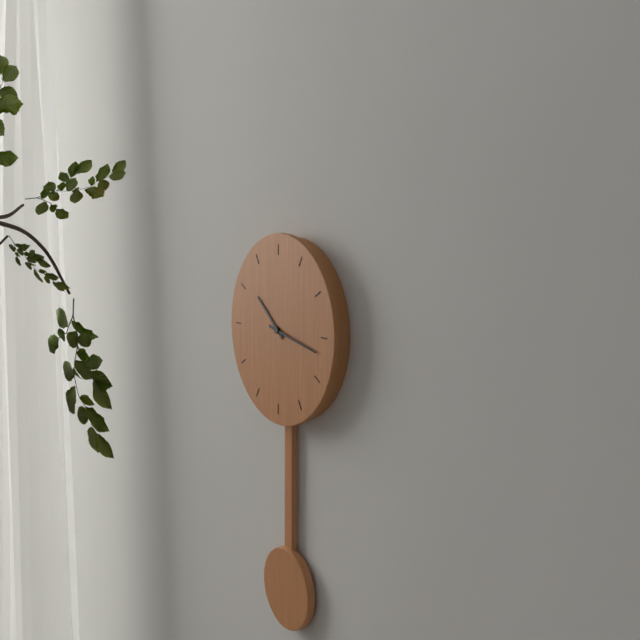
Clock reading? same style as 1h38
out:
10h17
